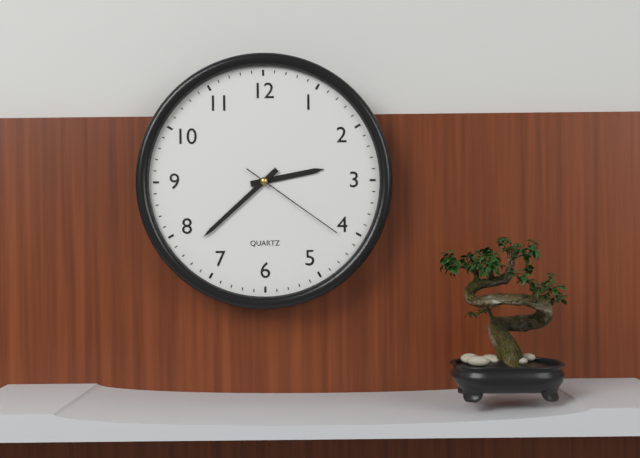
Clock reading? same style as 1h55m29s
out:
2h38m21s
